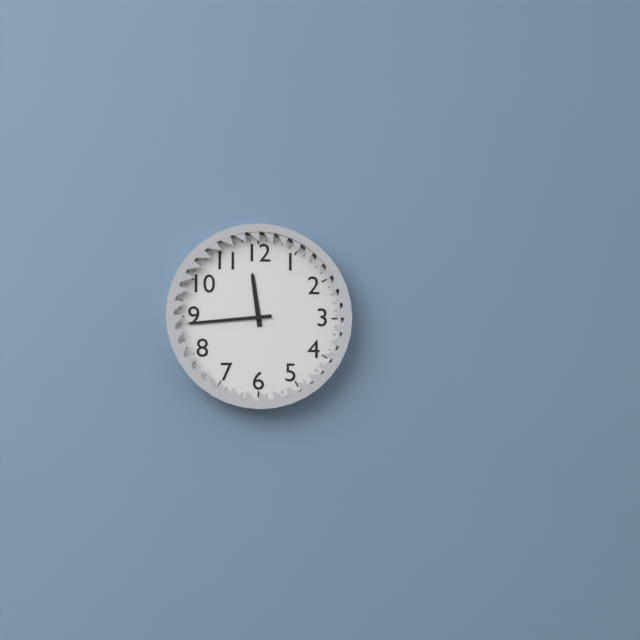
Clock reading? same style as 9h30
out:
11h44
